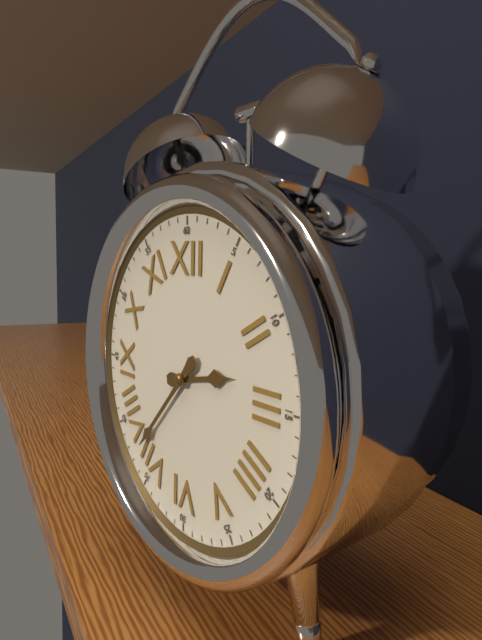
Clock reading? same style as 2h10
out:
2h37
